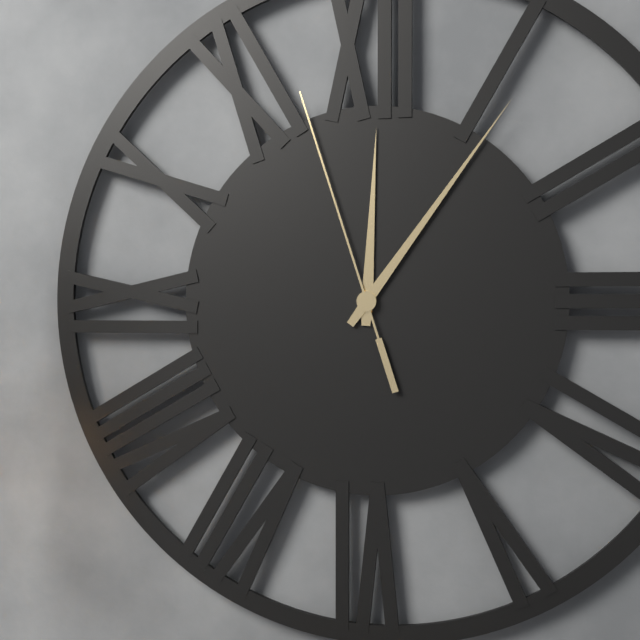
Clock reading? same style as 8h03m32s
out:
12h06m57s
